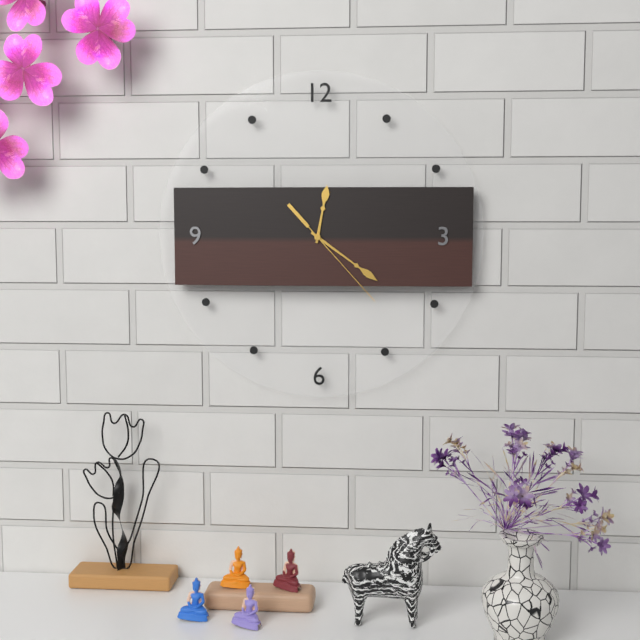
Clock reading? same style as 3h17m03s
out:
12h21m23s
